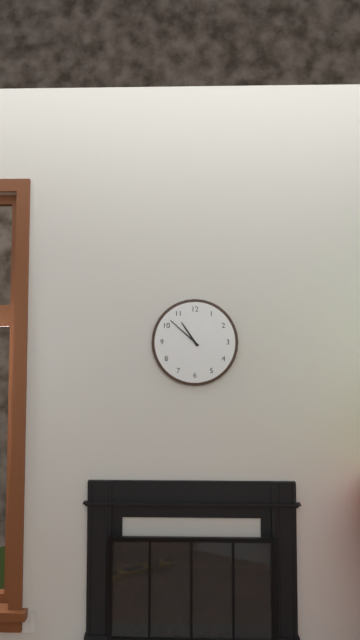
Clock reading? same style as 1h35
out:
10h52
